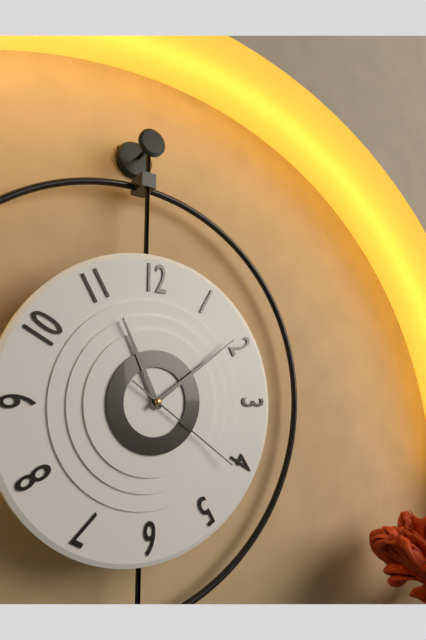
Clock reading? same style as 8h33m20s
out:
11h09m21s
